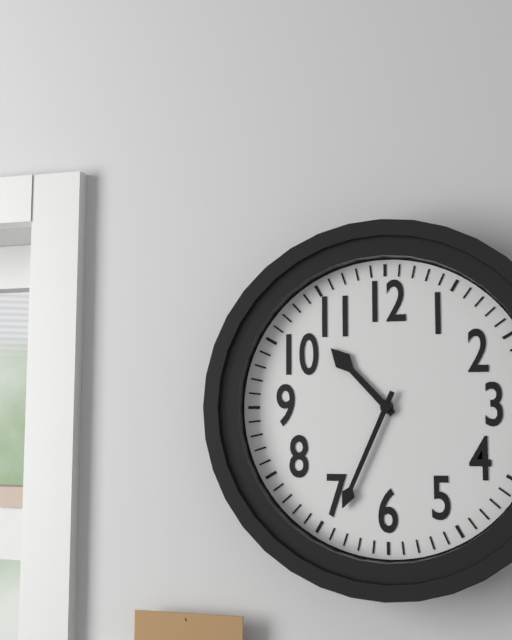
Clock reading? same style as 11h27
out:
10h34
